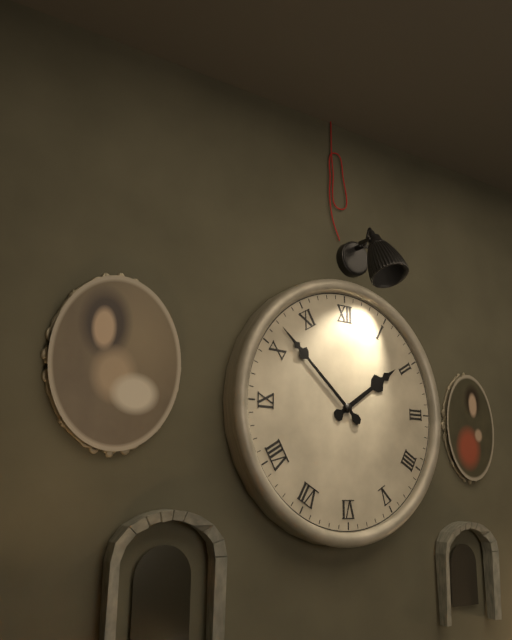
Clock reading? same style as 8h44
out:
1h52
